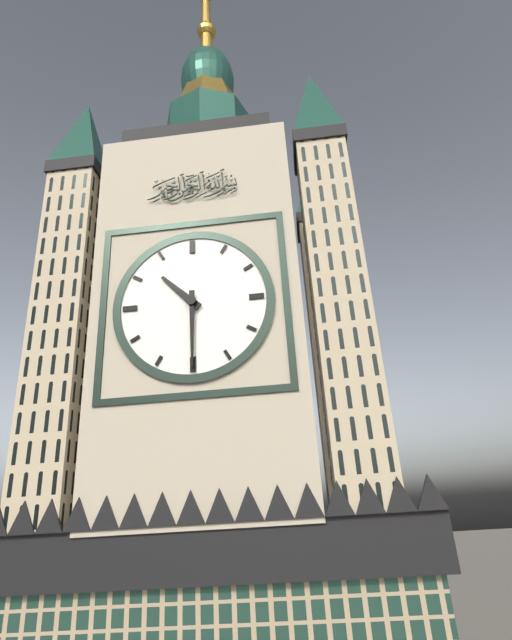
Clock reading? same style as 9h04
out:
10h30
